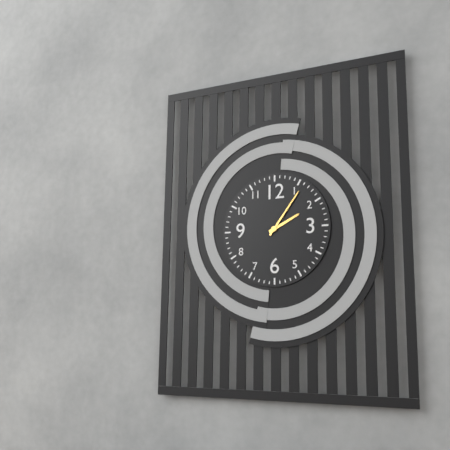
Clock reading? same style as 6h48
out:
2h06
